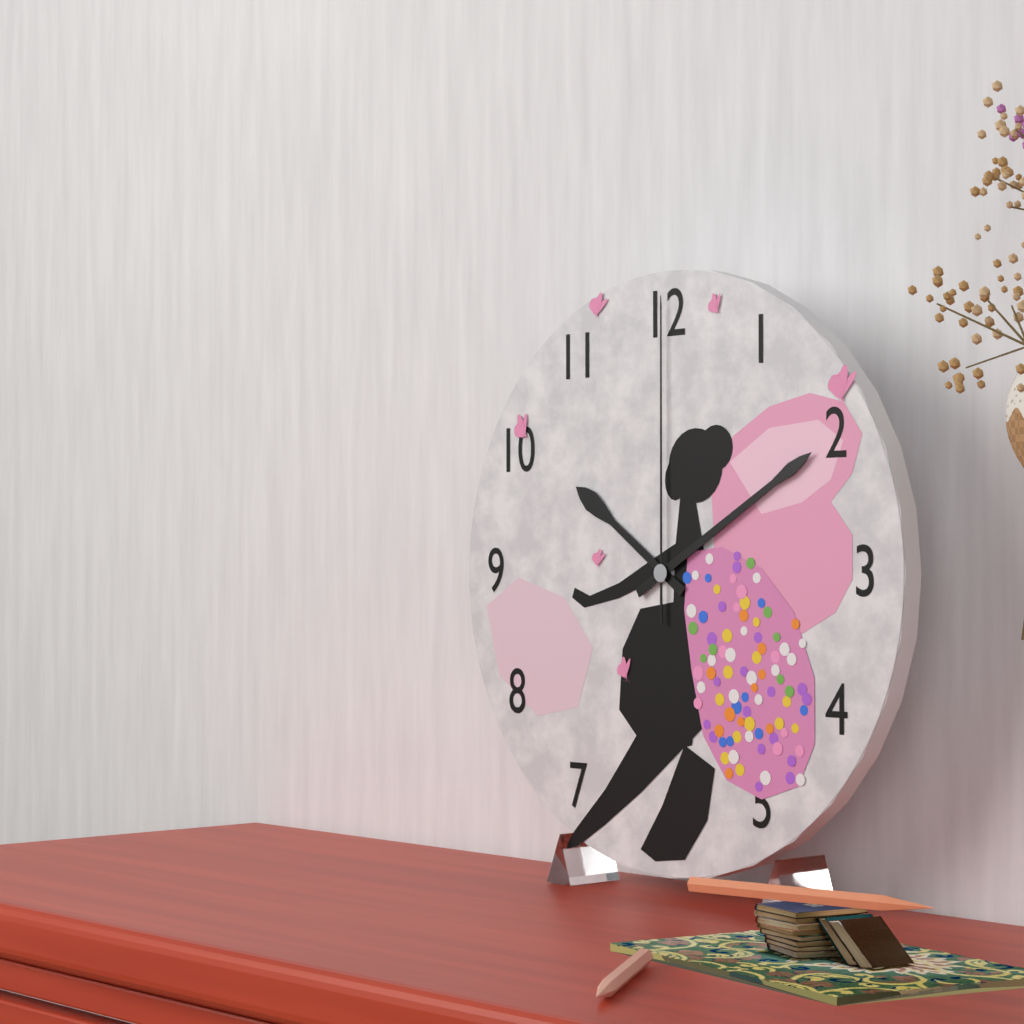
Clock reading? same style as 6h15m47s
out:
10h10m00s
